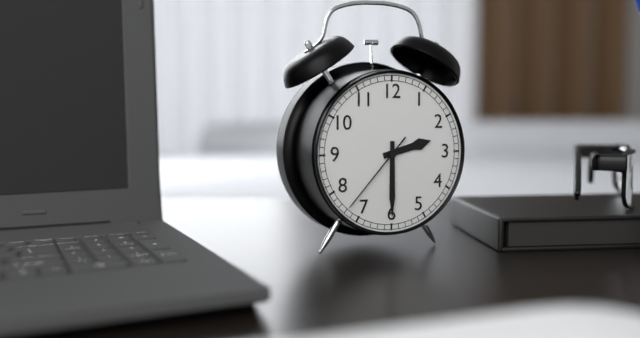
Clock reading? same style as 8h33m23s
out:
2h30m37s
